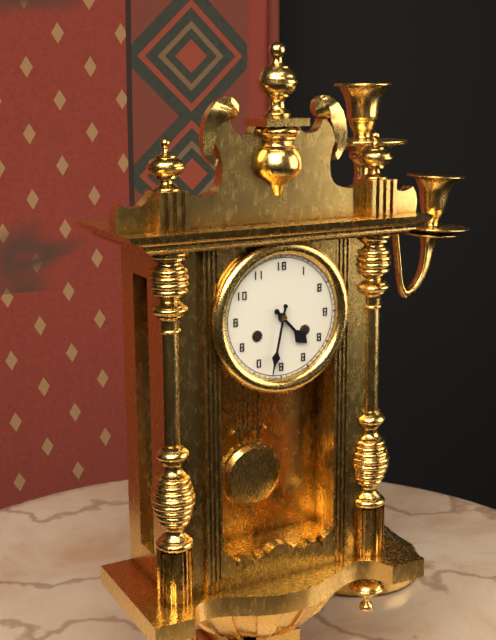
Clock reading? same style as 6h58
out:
4h32
